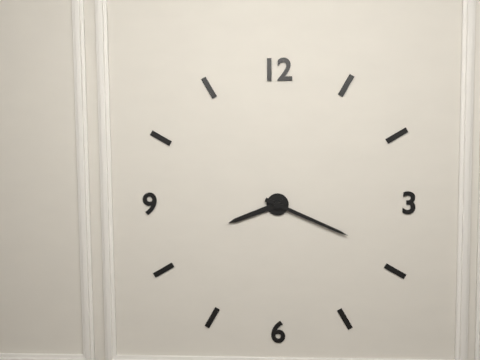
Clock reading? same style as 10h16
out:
8h19
